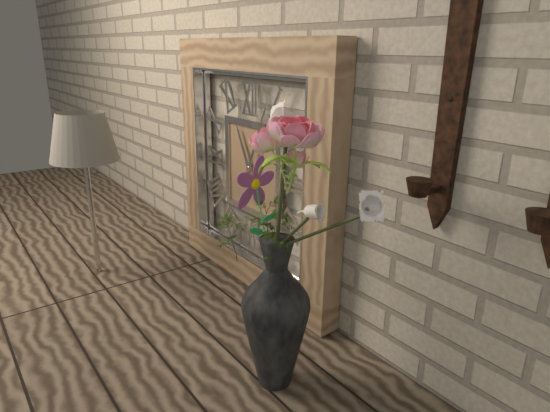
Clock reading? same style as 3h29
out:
11h04
